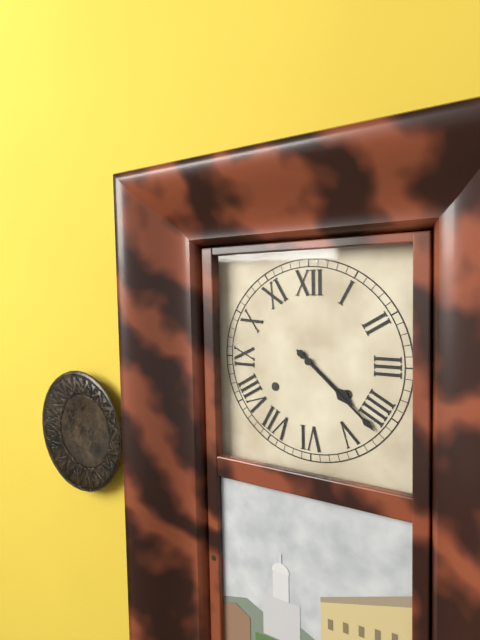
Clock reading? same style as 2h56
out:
4h22
